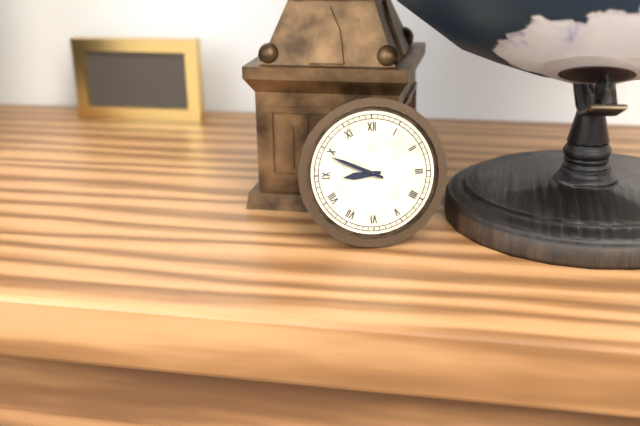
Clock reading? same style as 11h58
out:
8h49
